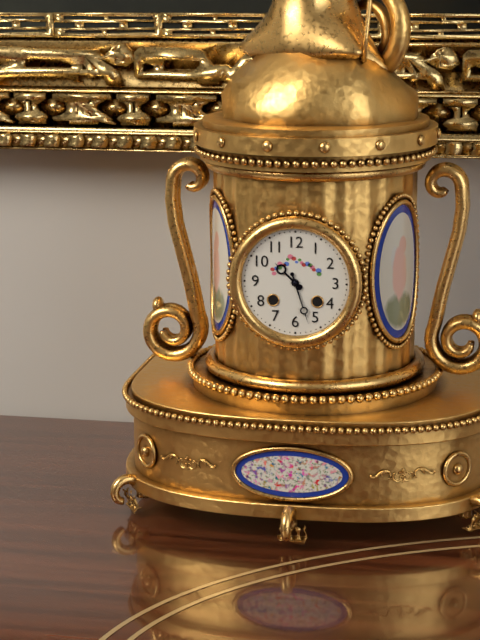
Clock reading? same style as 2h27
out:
10h27
